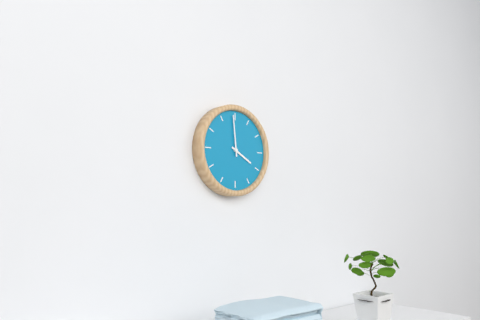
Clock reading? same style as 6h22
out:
3h59
